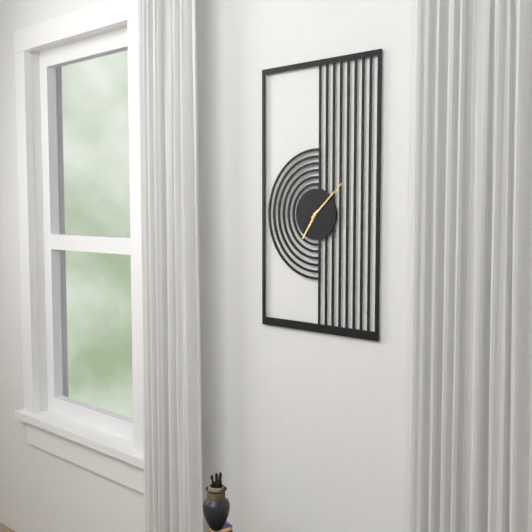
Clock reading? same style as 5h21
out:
7h08
